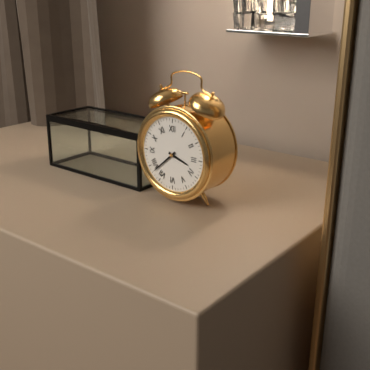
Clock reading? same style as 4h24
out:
3h38
